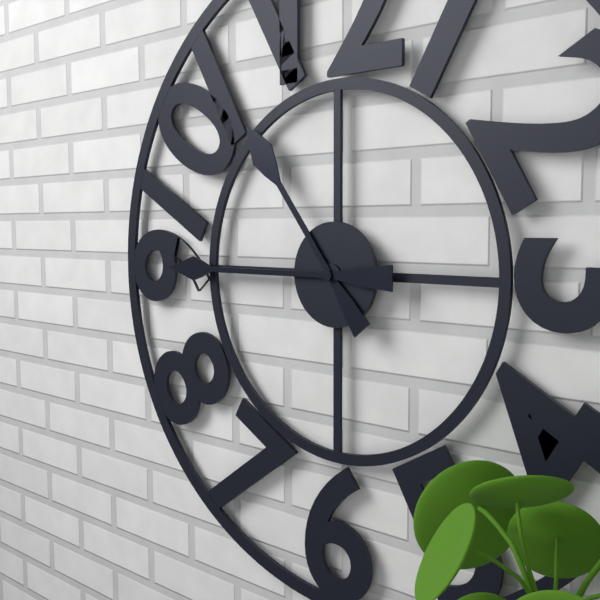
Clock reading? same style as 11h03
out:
10h45
